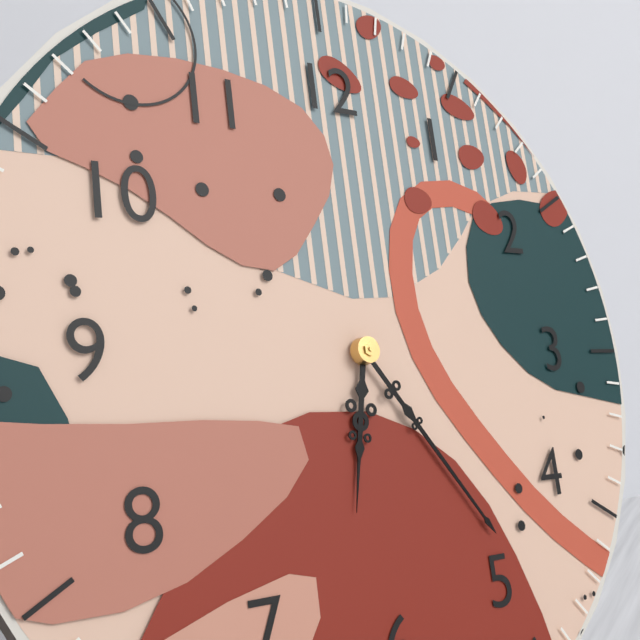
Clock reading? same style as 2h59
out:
6h24
